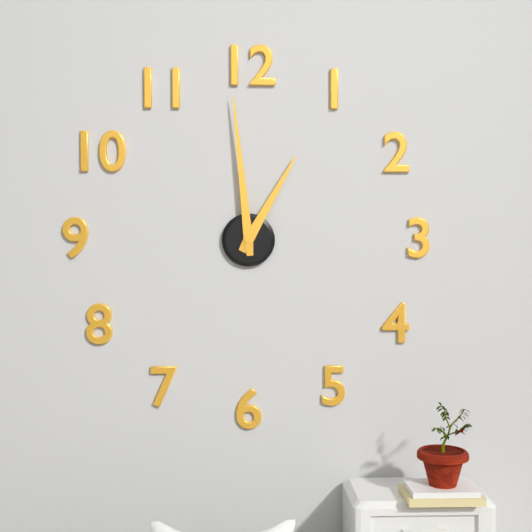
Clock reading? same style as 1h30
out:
12h59
